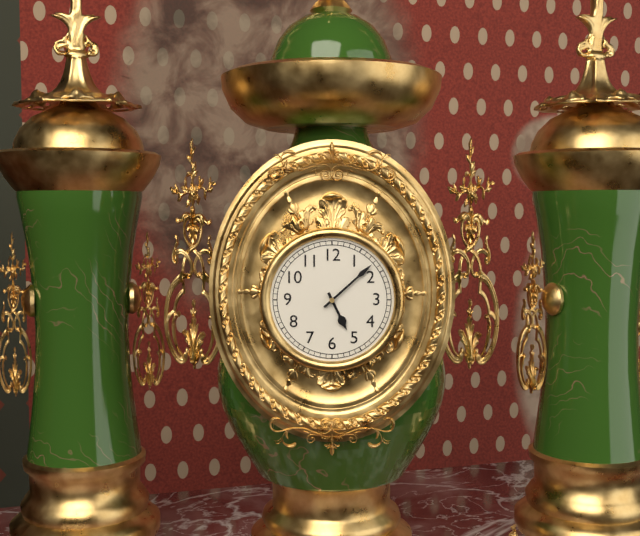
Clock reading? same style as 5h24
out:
5h08
